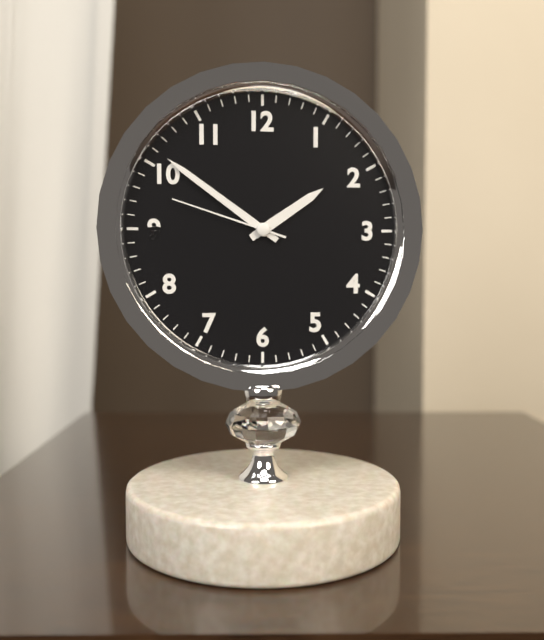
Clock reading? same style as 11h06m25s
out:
1h51m48s
